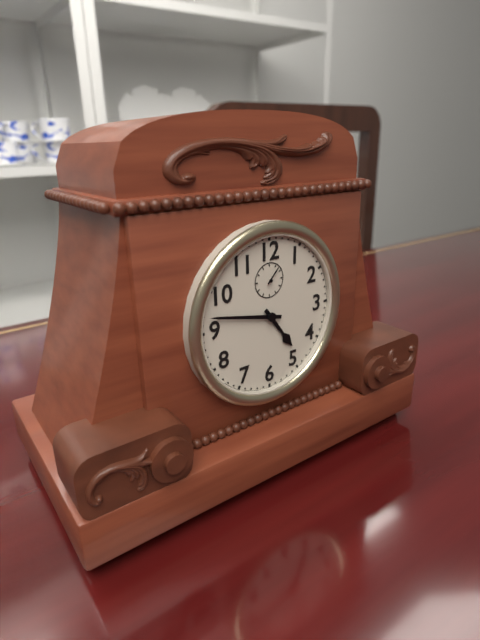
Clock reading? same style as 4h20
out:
4h47
